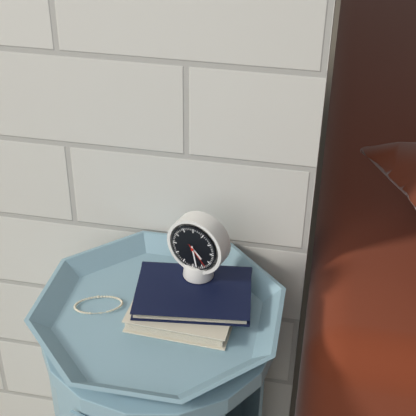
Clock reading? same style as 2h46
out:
4h28
